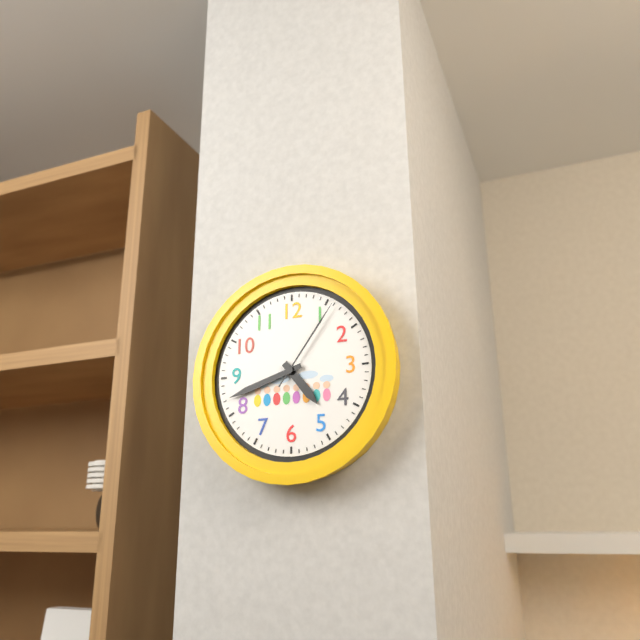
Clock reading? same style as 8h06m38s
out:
4h42m06s
